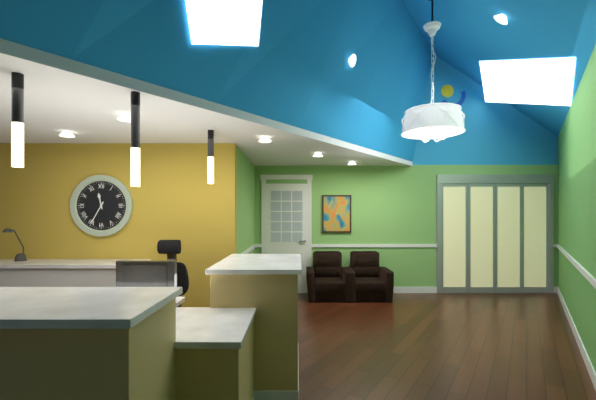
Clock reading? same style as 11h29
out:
11h35
